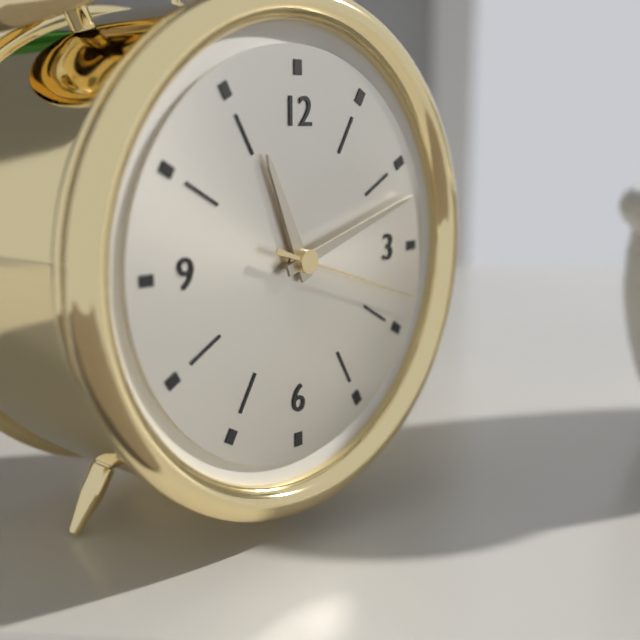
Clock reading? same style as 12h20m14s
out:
11h12m18s
